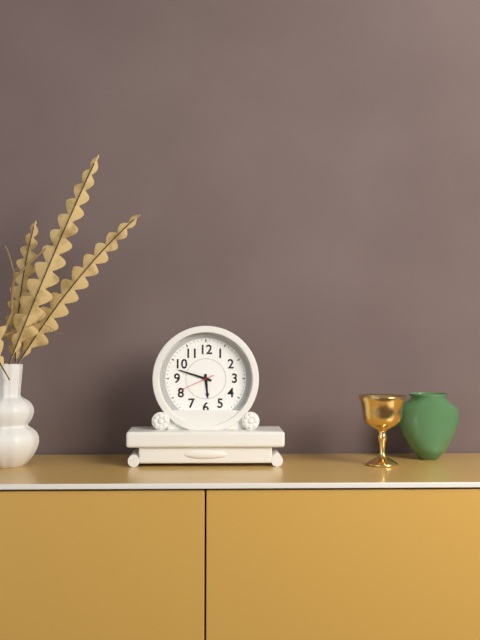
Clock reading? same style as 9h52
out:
5h48
